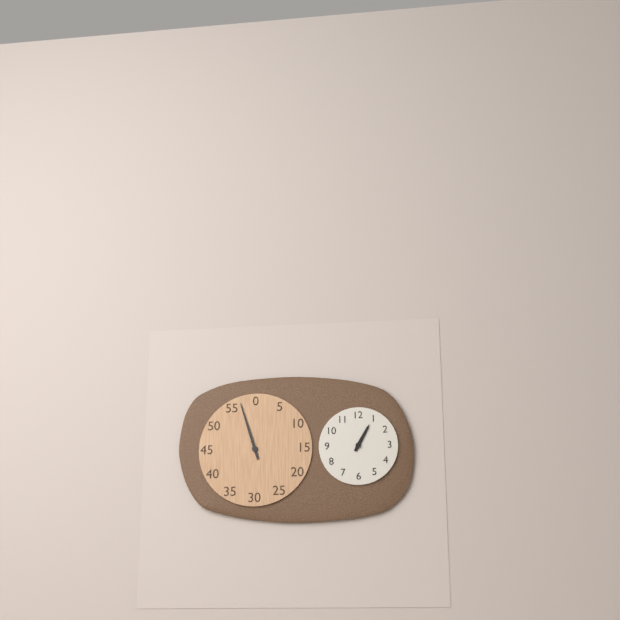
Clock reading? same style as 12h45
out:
12h57
